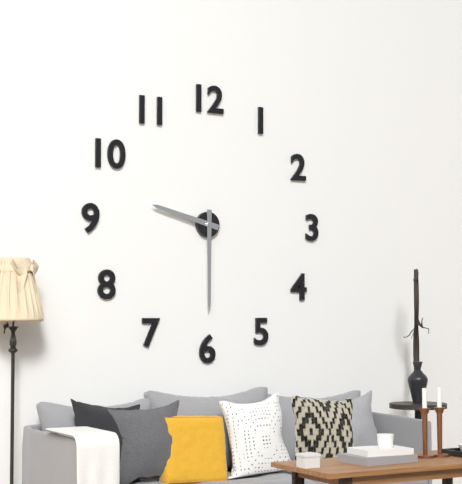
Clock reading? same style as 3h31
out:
9h30
